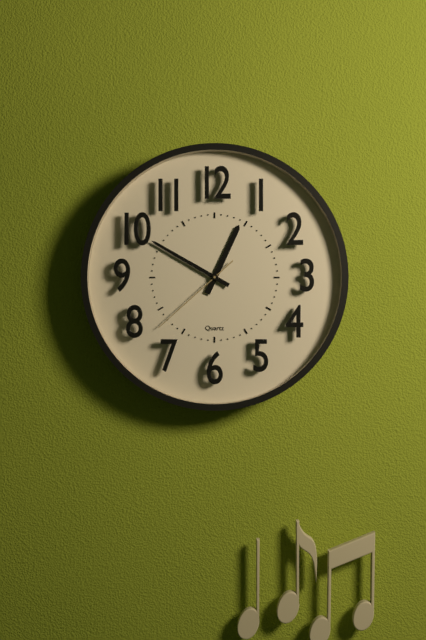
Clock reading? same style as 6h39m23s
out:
12h50m38s
